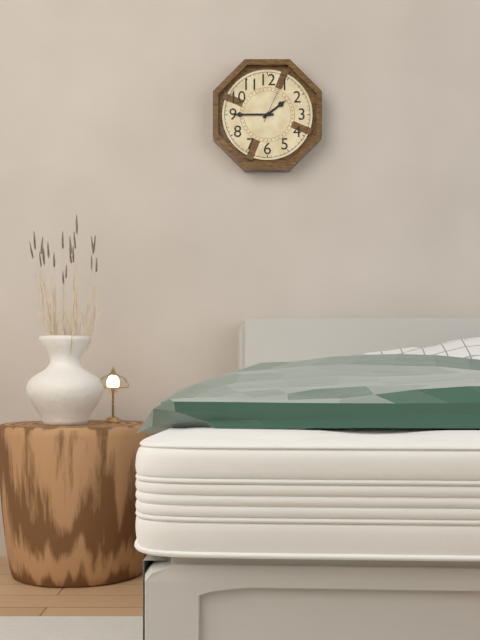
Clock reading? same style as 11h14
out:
1h45
